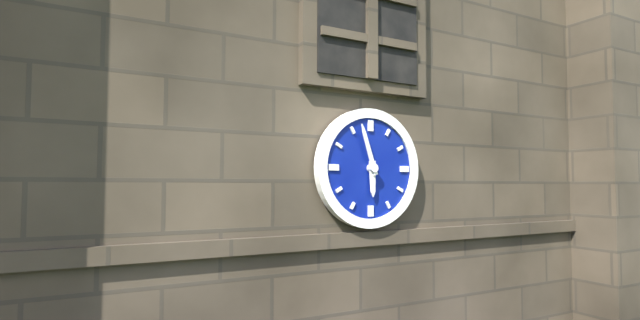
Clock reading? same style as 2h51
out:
5h57
